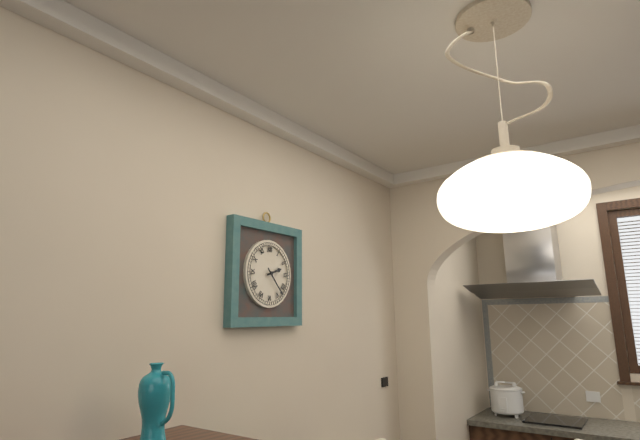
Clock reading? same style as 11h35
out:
2h23
